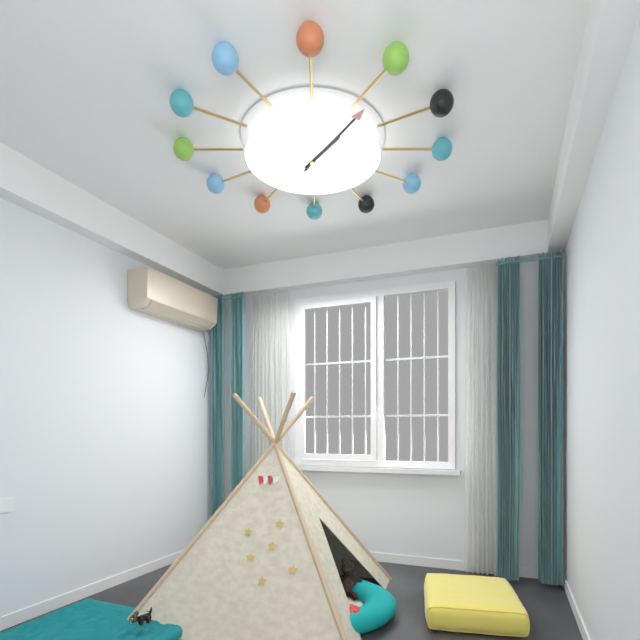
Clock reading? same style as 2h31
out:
1h05
